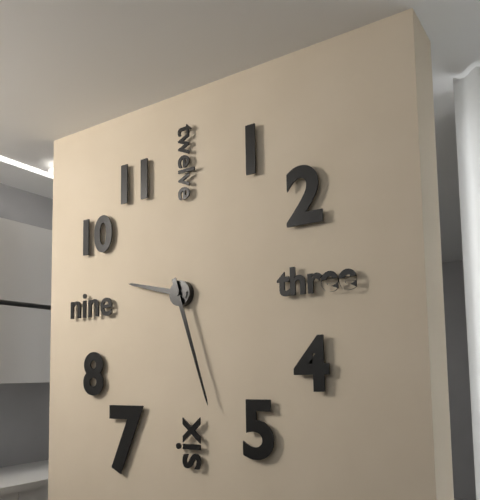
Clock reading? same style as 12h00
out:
9h27
